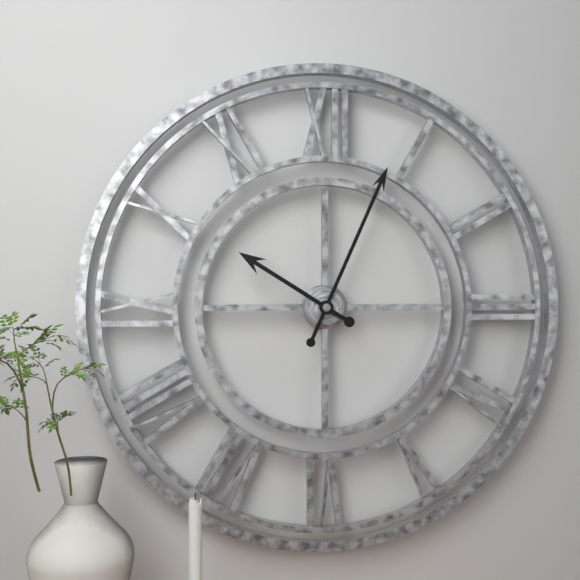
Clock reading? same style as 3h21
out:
10h04
